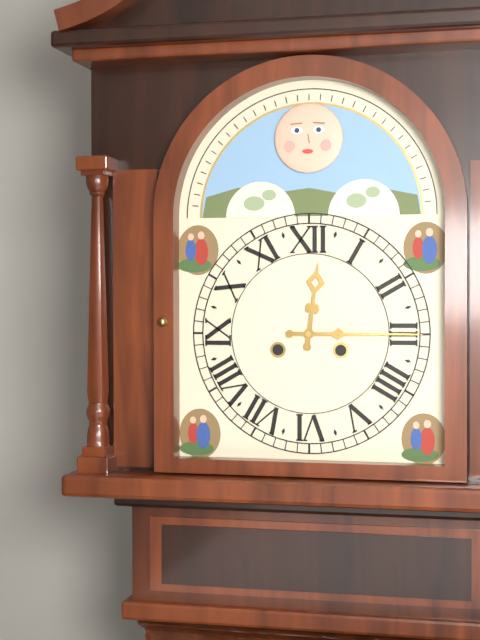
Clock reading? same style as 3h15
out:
12h15
